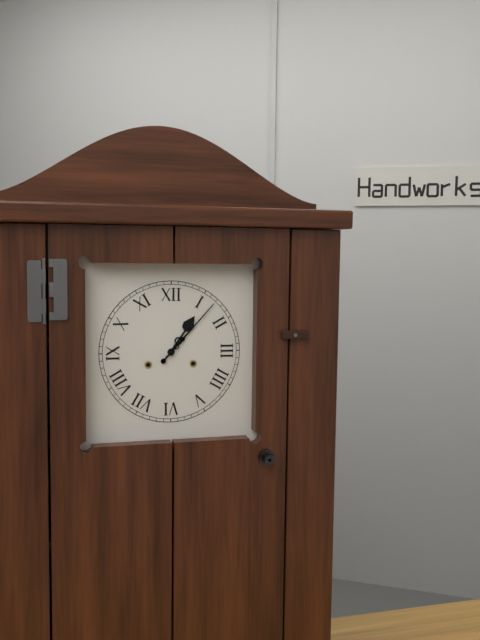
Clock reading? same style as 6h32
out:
1h07
